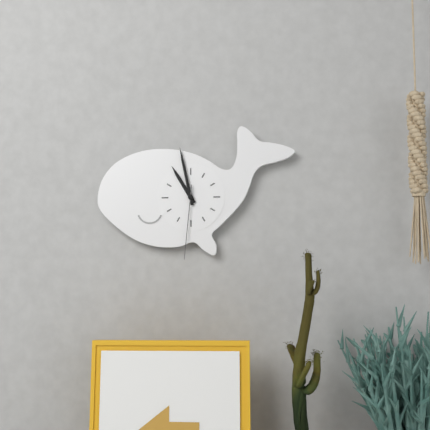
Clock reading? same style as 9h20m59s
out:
10h58m31s
